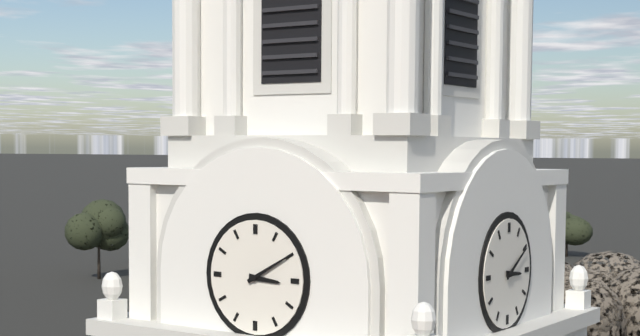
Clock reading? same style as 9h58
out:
3h10
